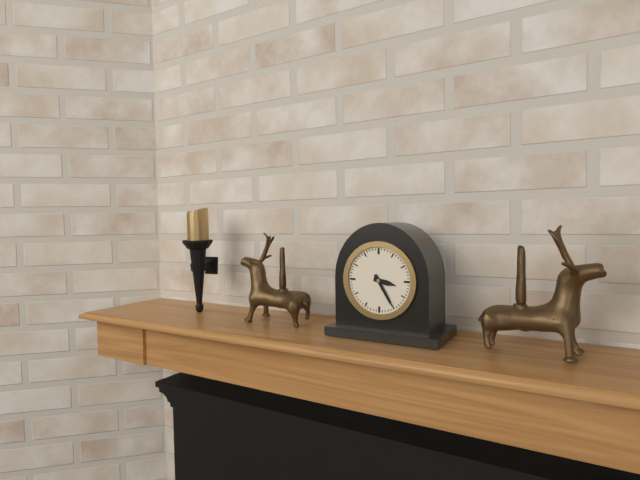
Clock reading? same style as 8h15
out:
3h25
